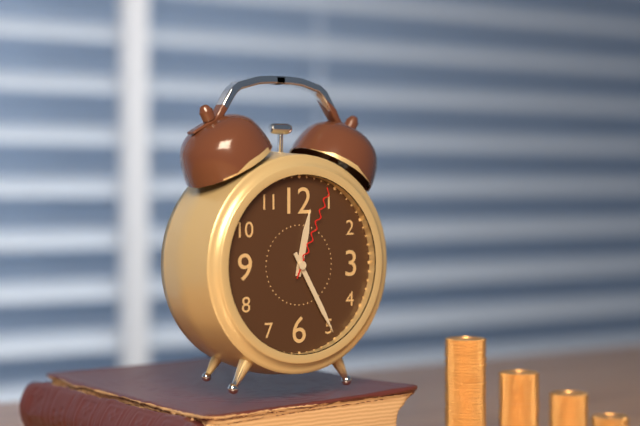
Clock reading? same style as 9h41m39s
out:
12h25m04s
